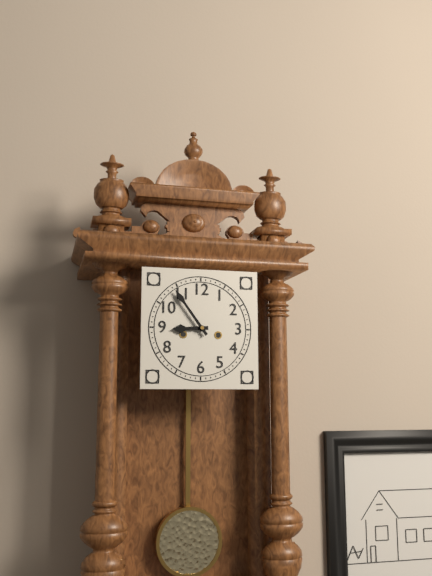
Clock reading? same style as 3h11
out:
8h54
